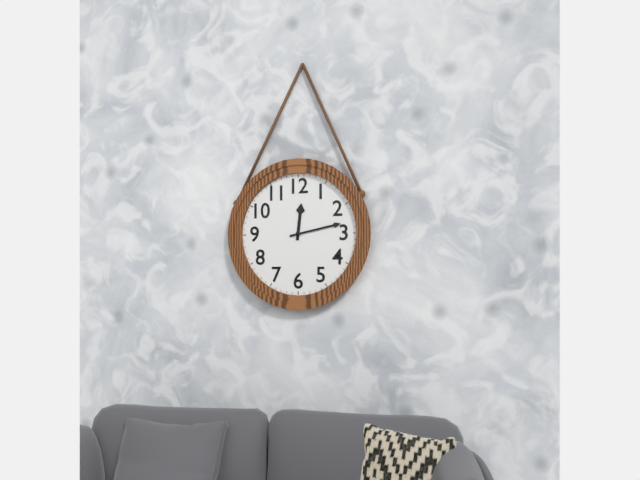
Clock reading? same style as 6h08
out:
12h13
